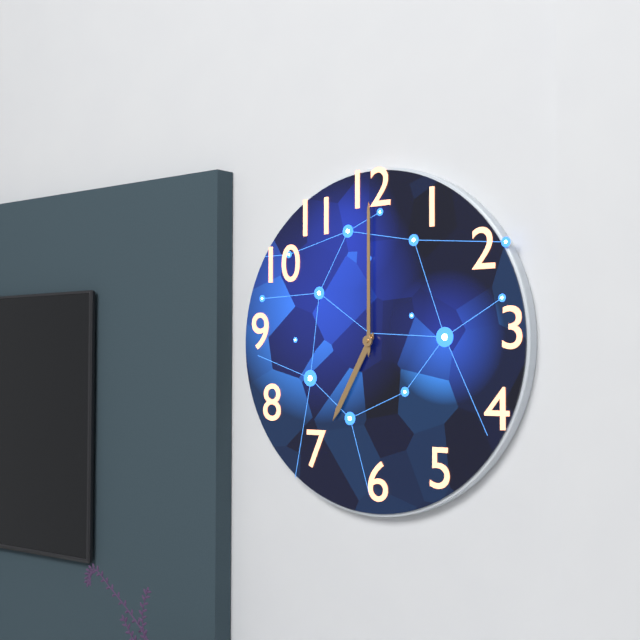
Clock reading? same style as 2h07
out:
7h00
